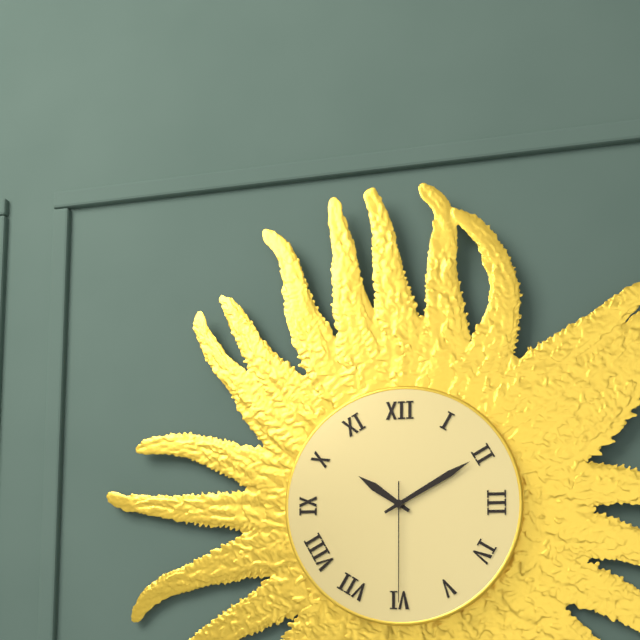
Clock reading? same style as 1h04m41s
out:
10h10m30s
